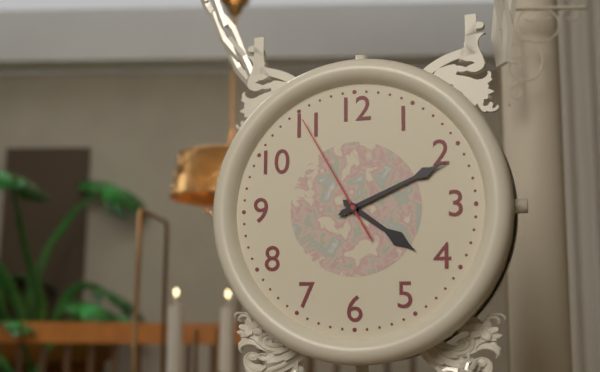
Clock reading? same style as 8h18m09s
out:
4h11m55s
